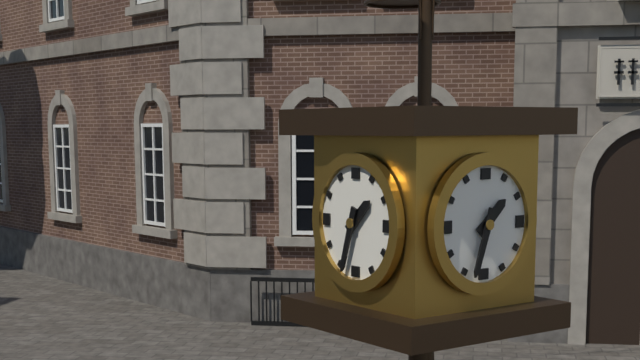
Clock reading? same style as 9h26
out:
1h33
